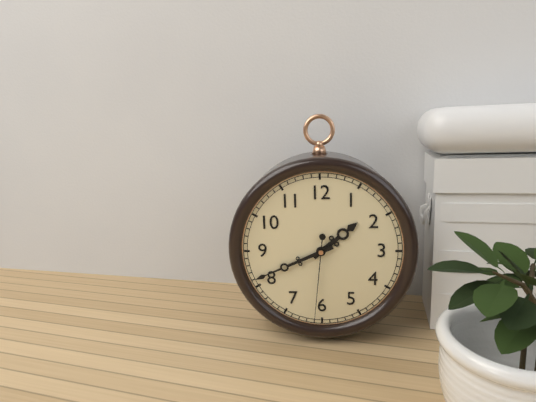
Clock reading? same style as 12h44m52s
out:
1h41m31s
